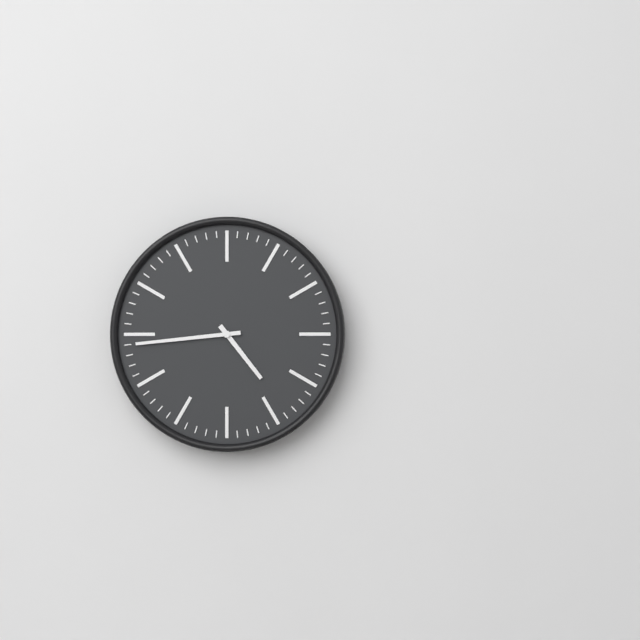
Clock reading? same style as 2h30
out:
4h44
